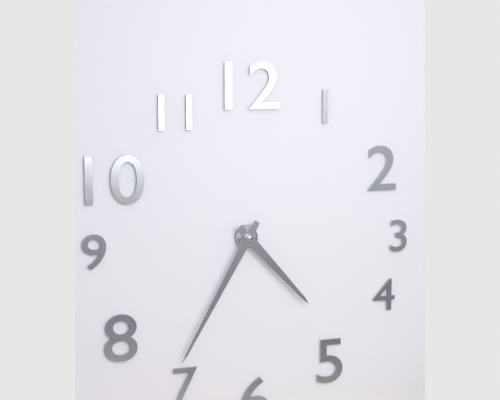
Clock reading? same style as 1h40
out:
4h35
